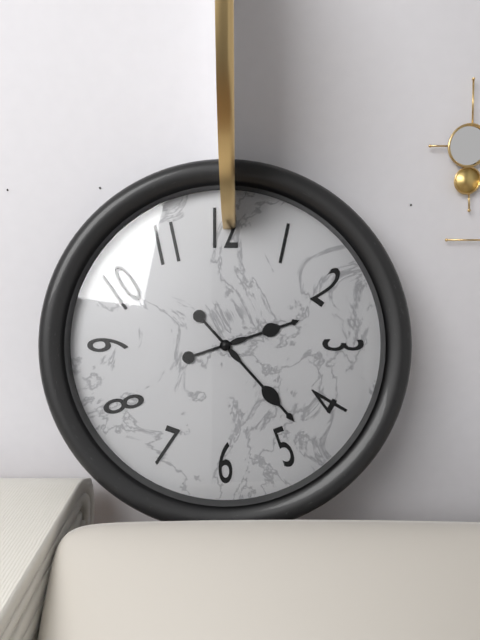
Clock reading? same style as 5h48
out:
2h23
